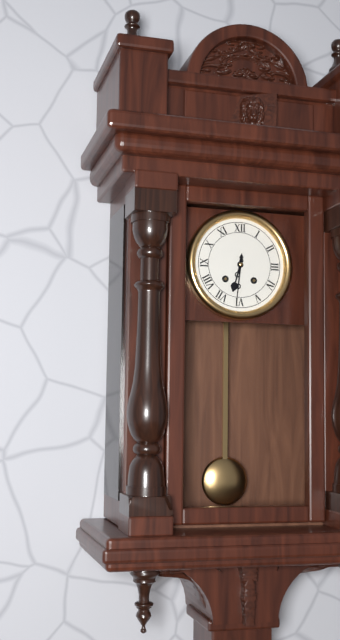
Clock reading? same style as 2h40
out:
6h31
